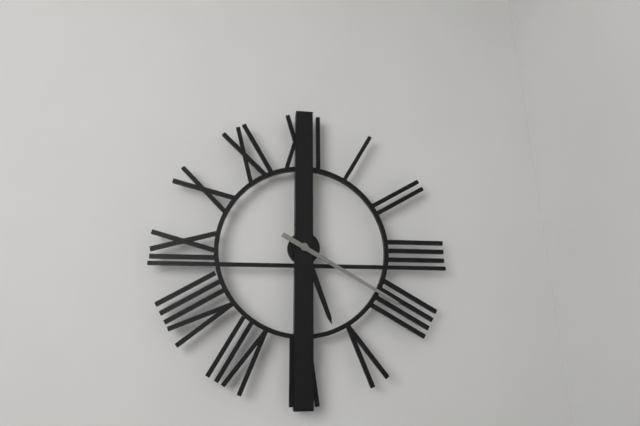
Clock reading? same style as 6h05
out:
5h20
